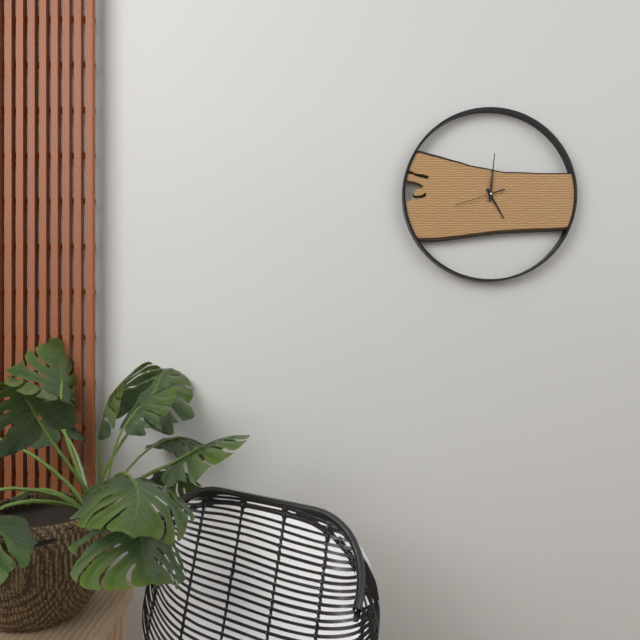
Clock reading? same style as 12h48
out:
5h01
